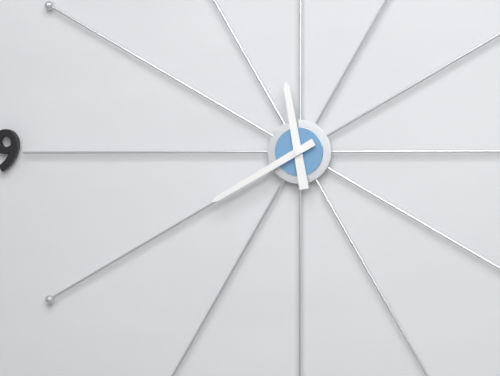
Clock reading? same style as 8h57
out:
11h40
